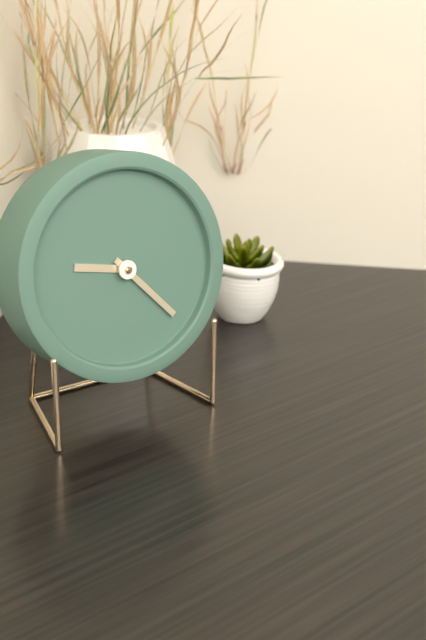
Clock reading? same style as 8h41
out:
9h23
